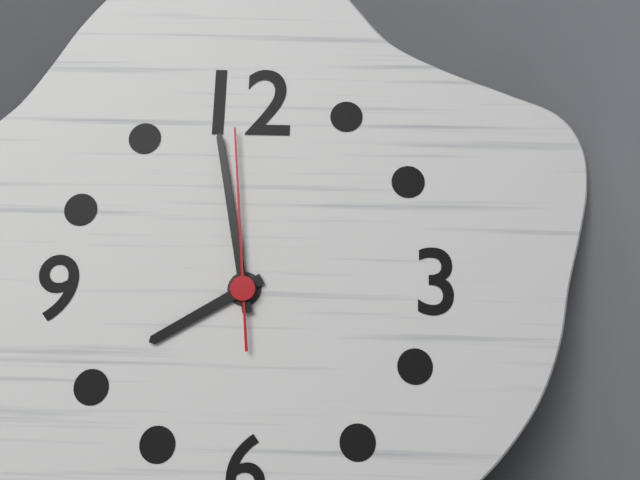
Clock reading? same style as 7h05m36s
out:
7h58m59s
